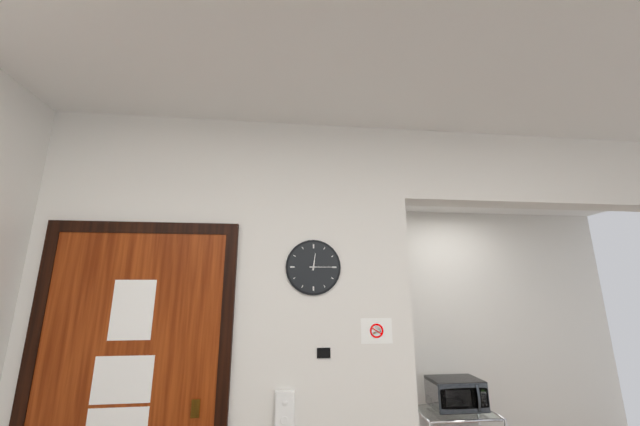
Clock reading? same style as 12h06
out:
12h15
